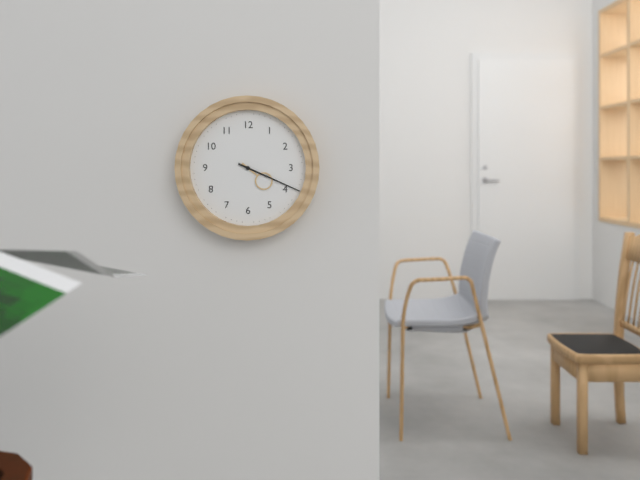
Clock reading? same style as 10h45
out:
4h19
